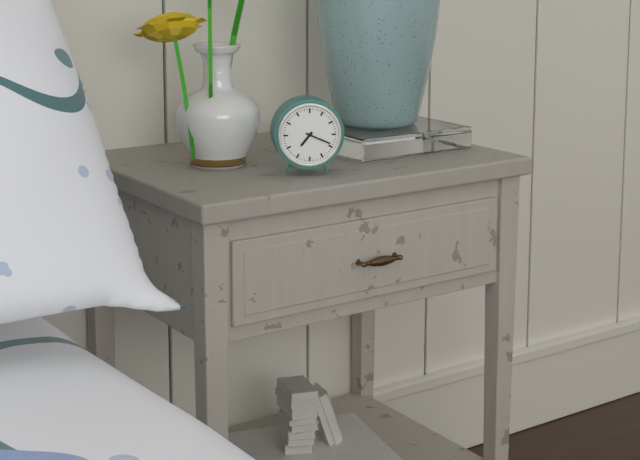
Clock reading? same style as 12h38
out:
7h19
